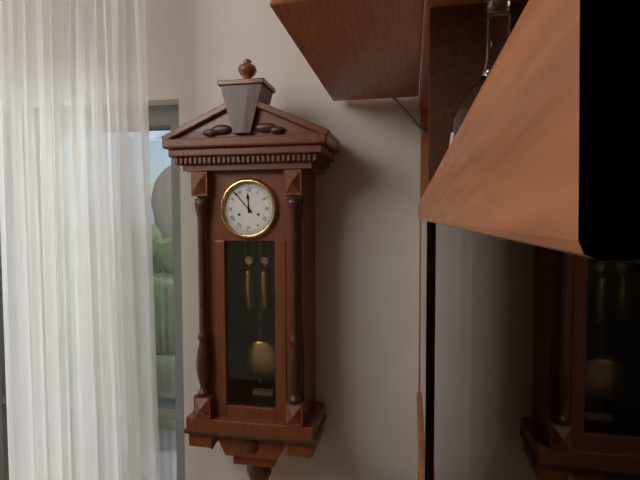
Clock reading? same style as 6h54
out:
11h53
